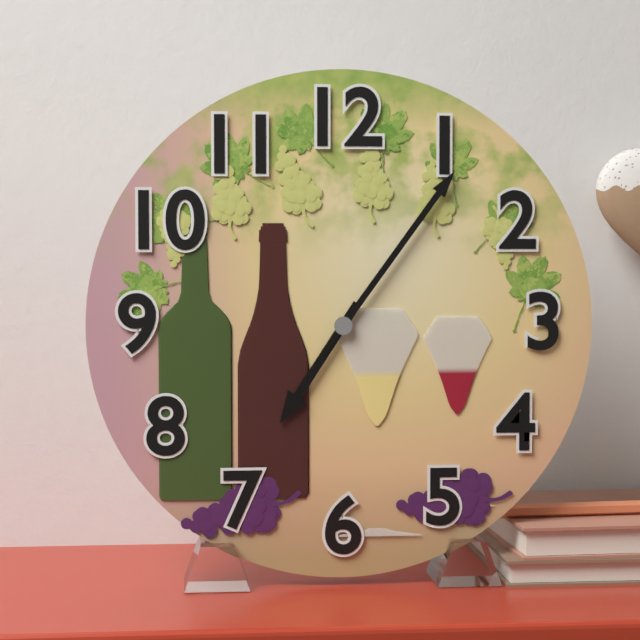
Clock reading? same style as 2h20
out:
7h06
